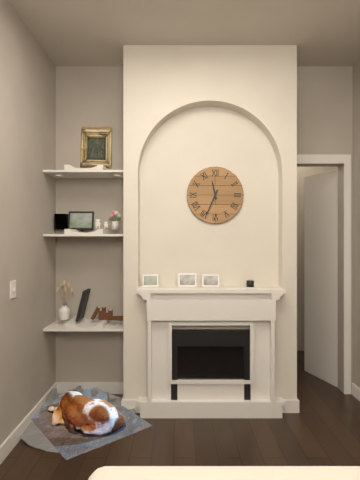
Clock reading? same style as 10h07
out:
11h34
